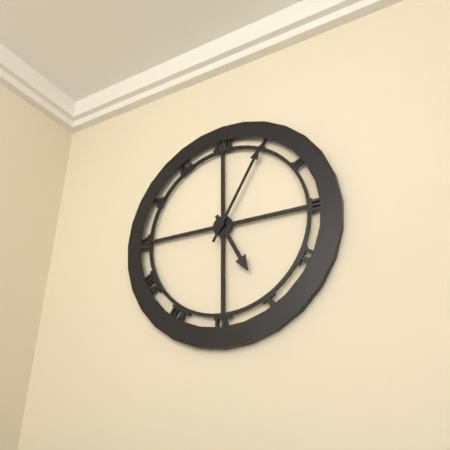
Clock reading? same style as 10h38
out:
5h05
